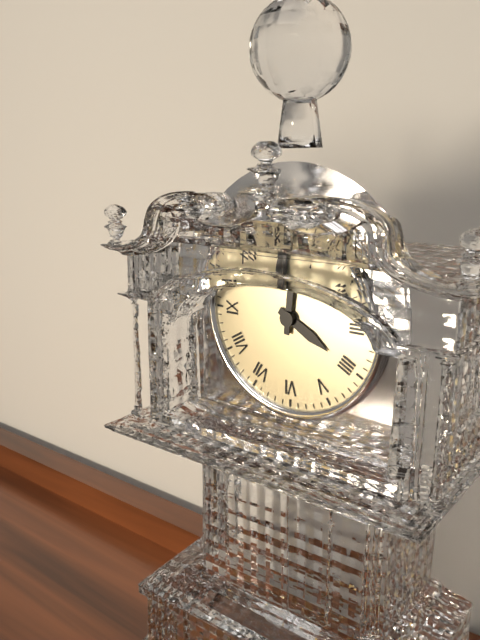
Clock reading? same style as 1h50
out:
4h01
